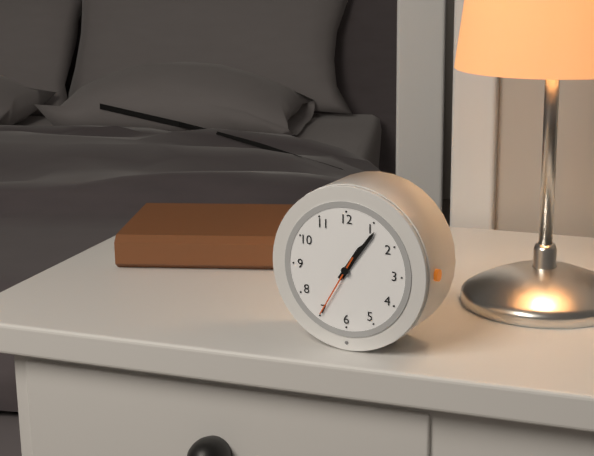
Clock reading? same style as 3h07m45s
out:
1h06m35s
